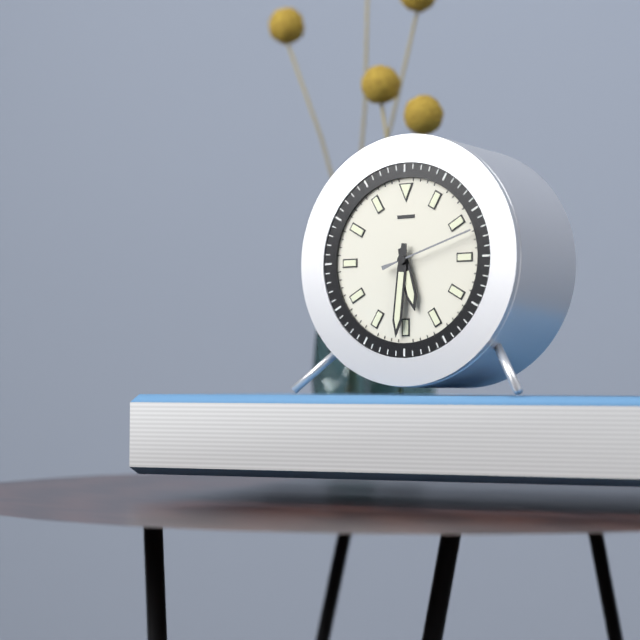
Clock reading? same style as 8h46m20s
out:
5h31m12s
